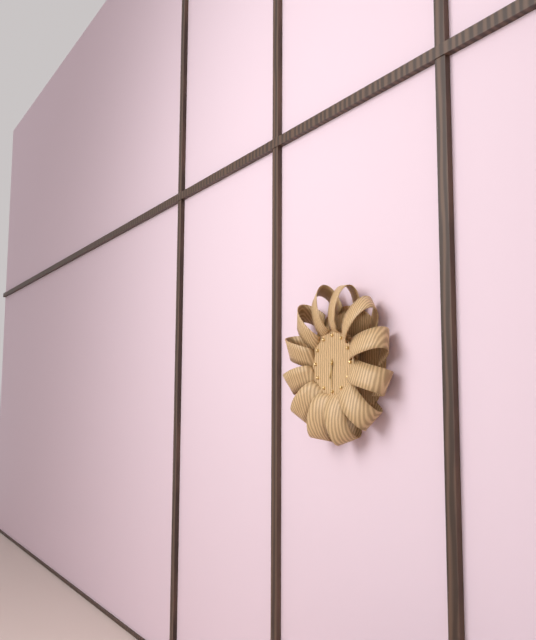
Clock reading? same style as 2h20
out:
6h30
